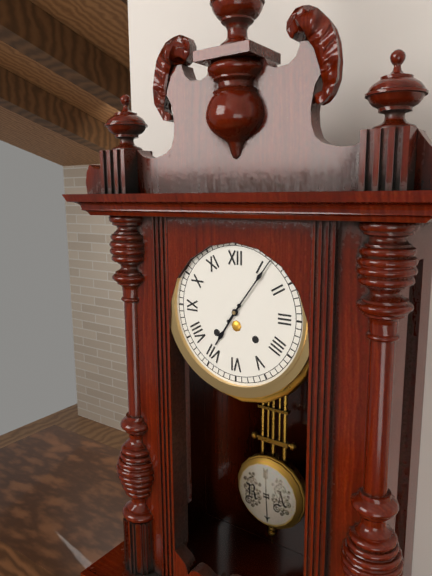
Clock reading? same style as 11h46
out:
7h06
